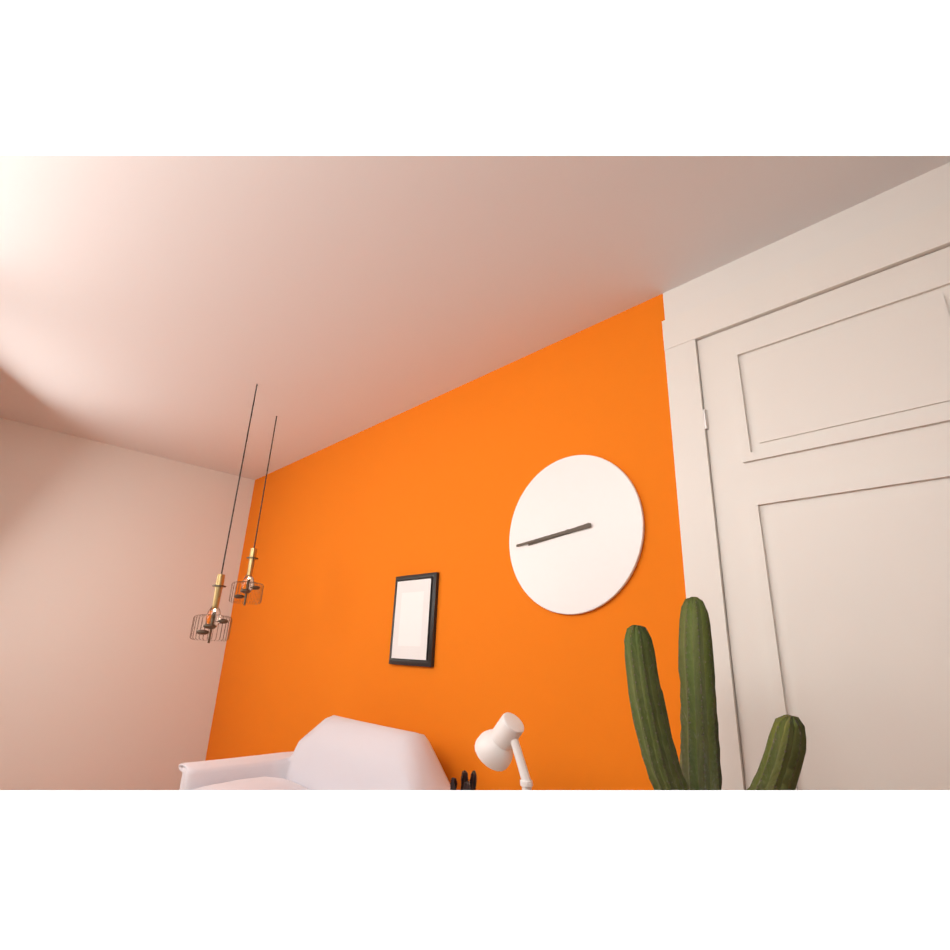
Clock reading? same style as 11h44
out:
8h44
